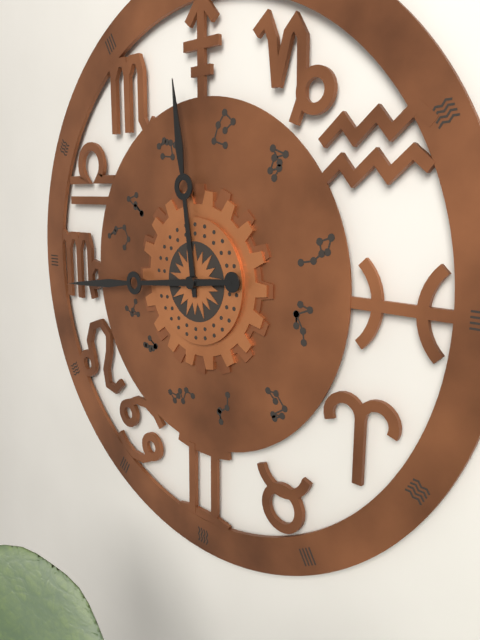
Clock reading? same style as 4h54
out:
11h44
